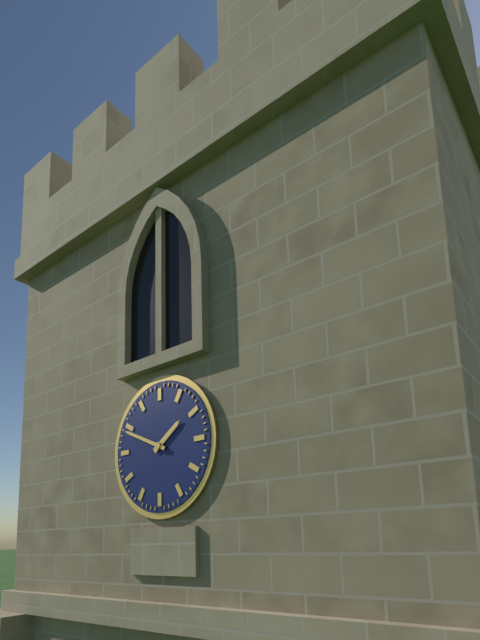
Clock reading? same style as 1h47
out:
1h49
